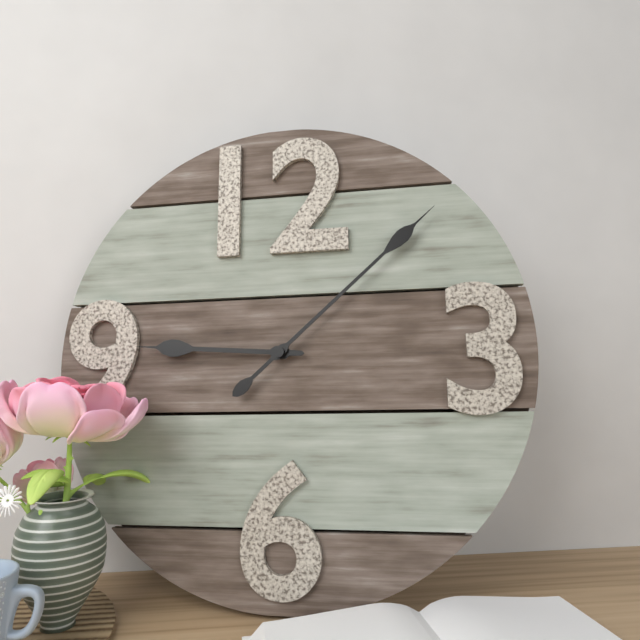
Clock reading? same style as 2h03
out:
9h08
